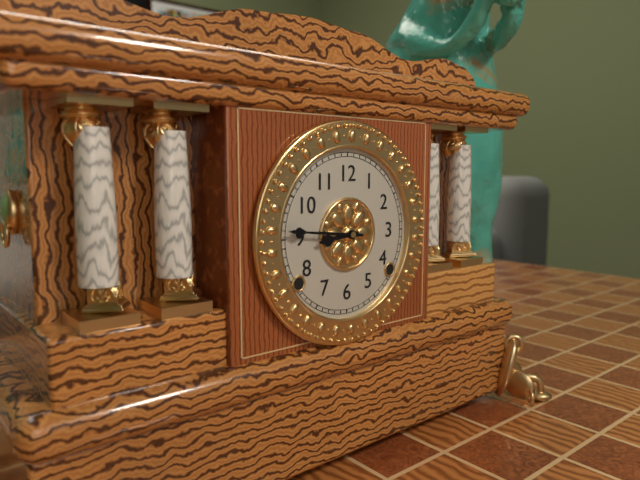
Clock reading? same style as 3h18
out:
8h46
